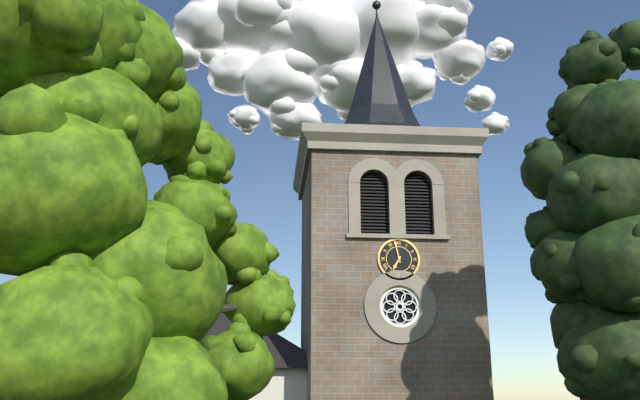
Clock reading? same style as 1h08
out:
6h58
